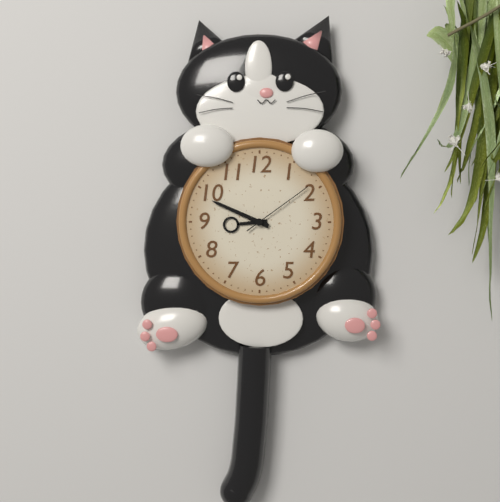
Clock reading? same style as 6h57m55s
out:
8h49m09s
